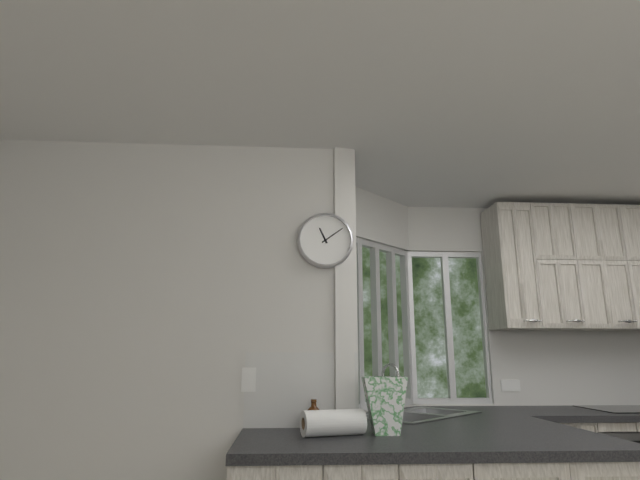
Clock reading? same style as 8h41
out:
11h09
